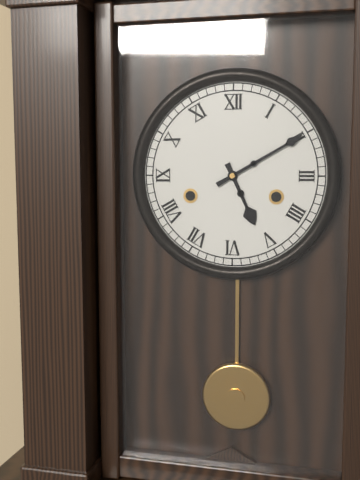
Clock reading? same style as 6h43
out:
5h10
